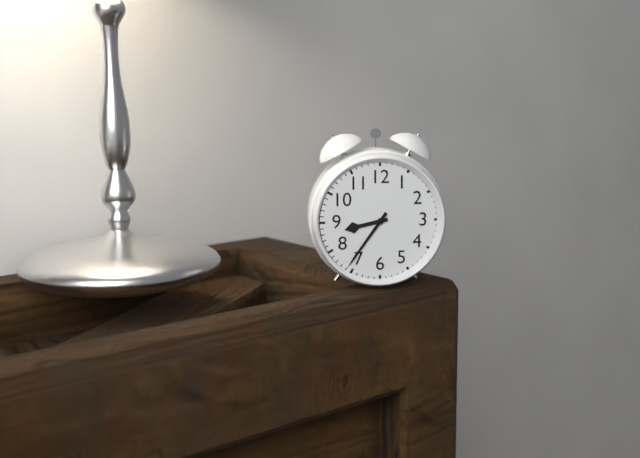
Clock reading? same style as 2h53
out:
8h36
